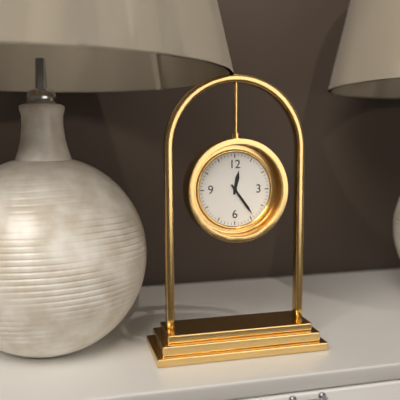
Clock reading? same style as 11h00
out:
12h24
